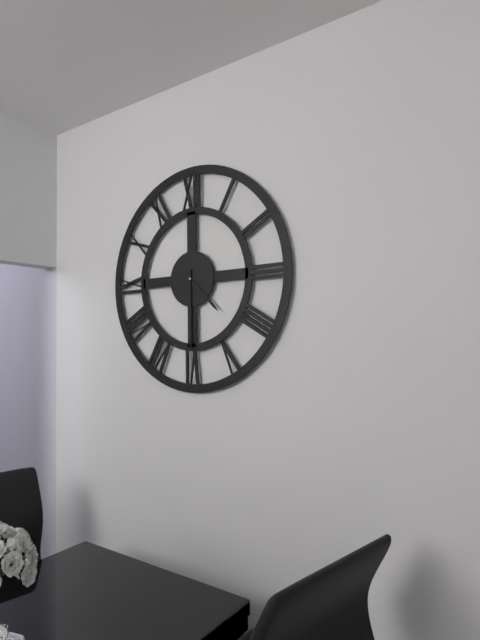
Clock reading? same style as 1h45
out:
4h30
